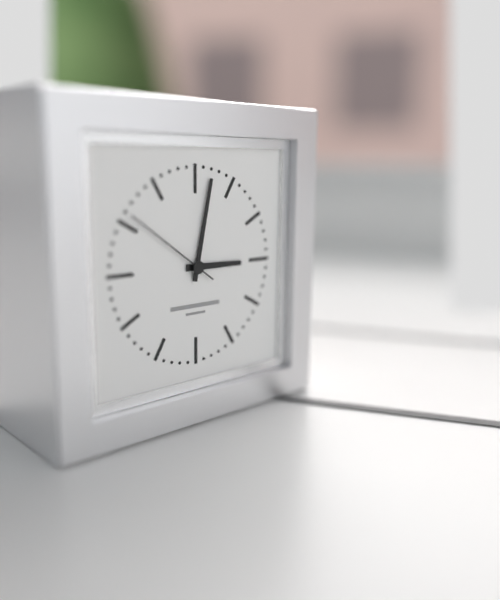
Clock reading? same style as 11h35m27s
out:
3h02m51s
